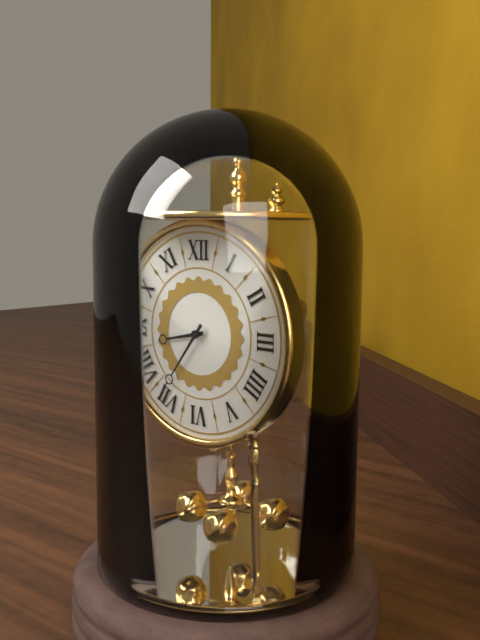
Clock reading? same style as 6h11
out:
8h36
